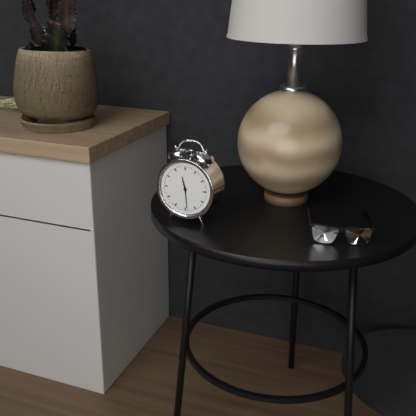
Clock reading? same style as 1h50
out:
11h29
